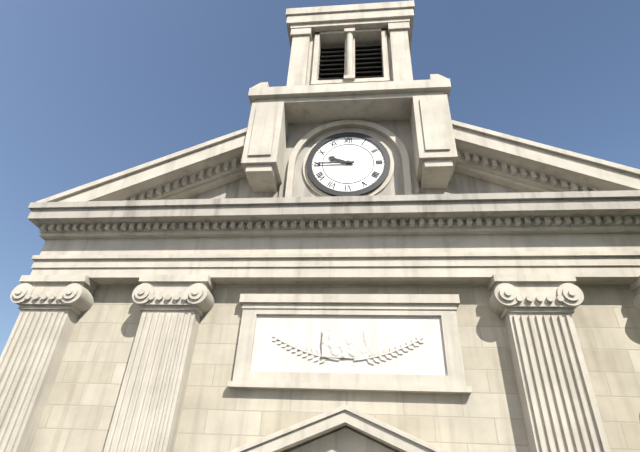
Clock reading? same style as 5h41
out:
9h45
